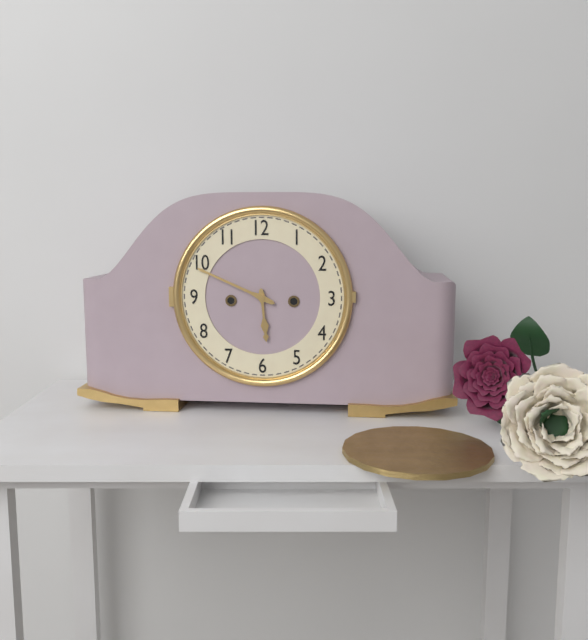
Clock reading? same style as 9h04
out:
5h49
